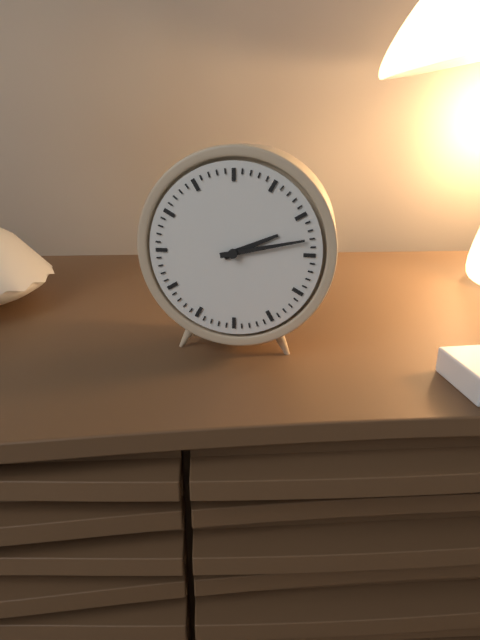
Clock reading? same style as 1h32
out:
2h13
